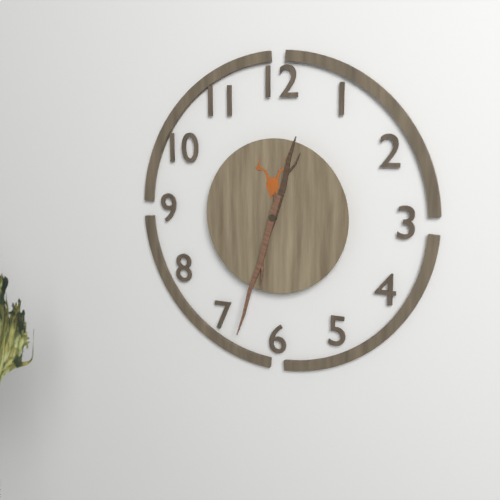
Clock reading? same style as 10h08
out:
12h33
